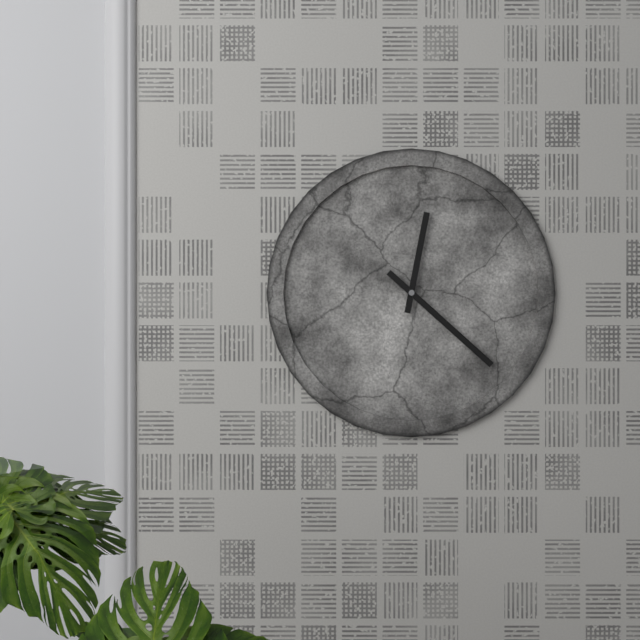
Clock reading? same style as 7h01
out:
12h22
